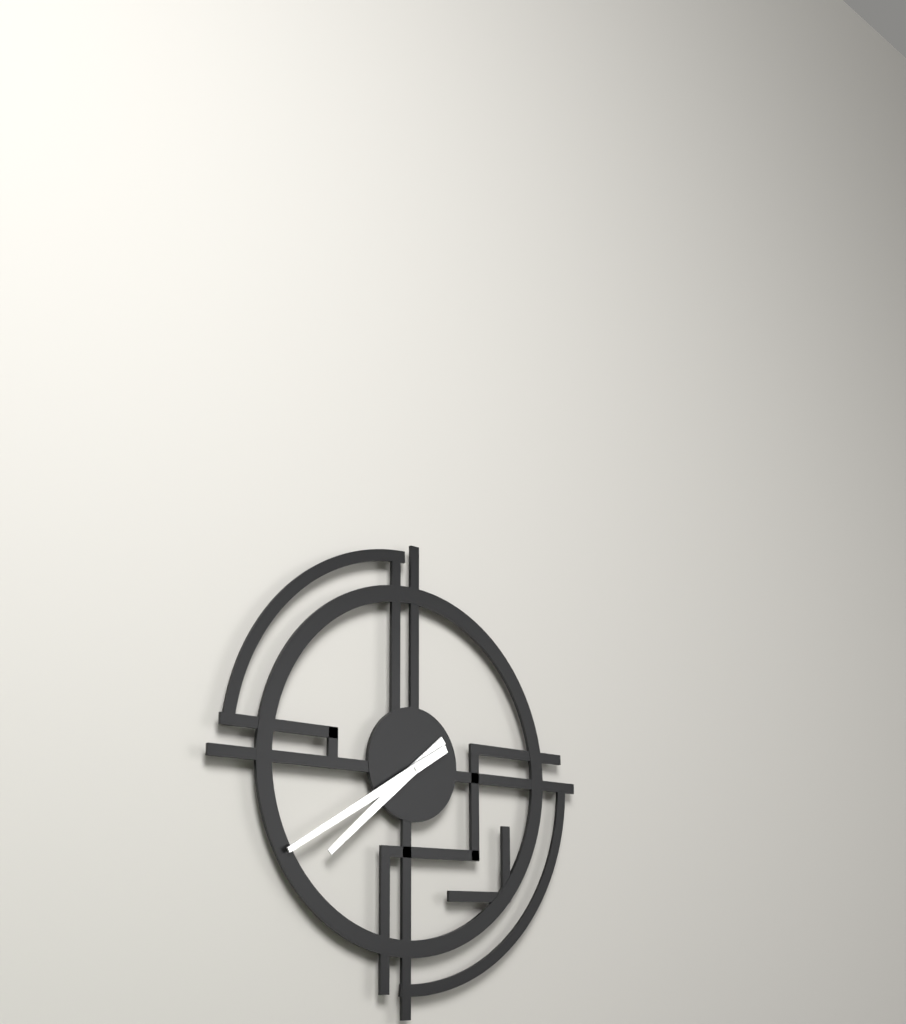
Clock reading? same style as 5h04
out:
7h40
